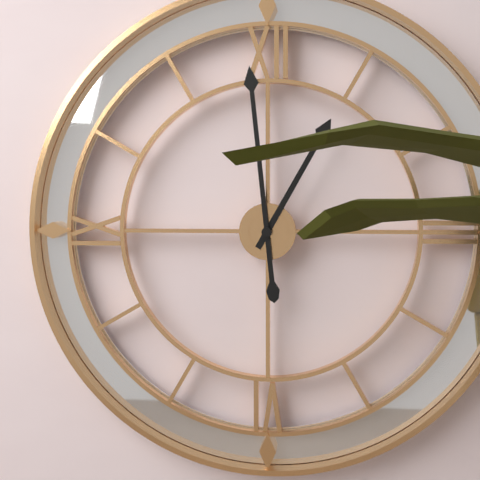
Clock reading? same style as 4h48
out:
12h59
